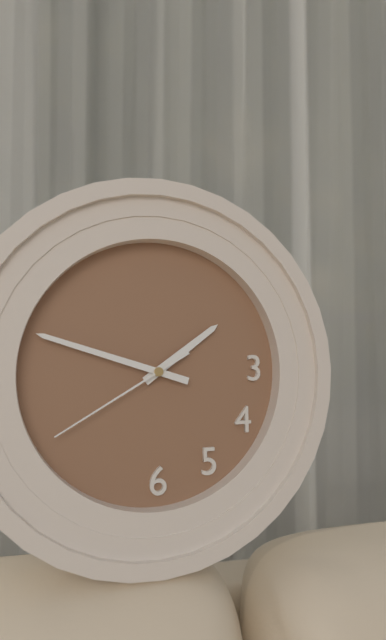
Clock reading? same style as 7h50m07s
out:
1h48m40s
